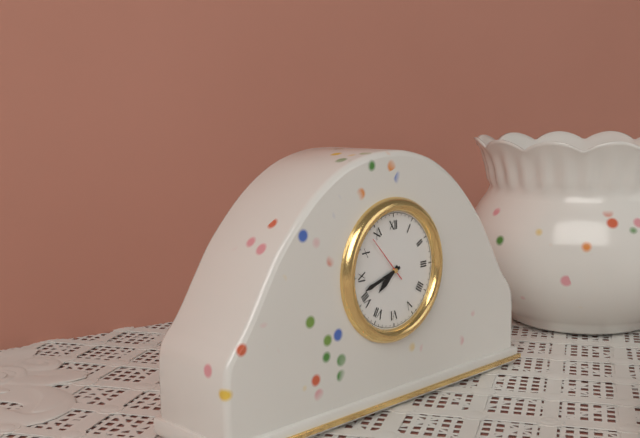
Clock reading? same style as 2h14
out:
7h42
